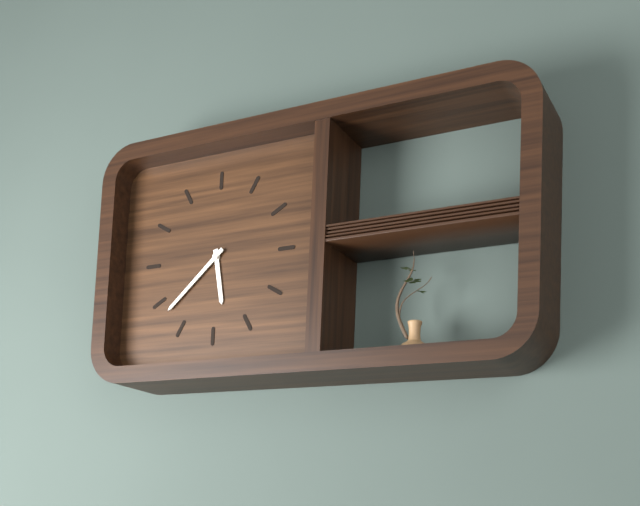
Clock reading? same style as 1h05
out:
5h38
